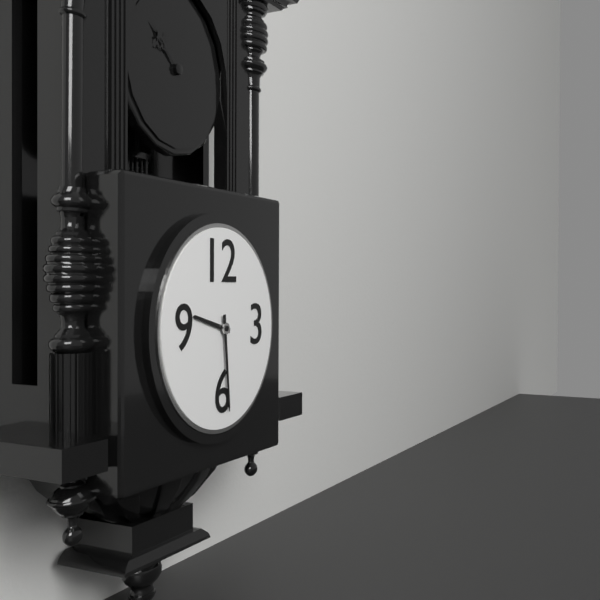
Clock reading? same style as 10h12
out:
9h29
